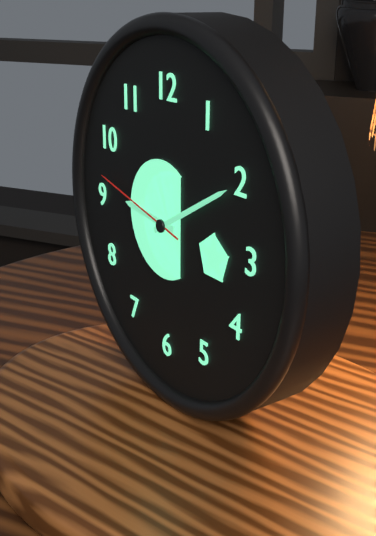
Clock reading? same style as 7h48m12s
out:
9h10m47s
